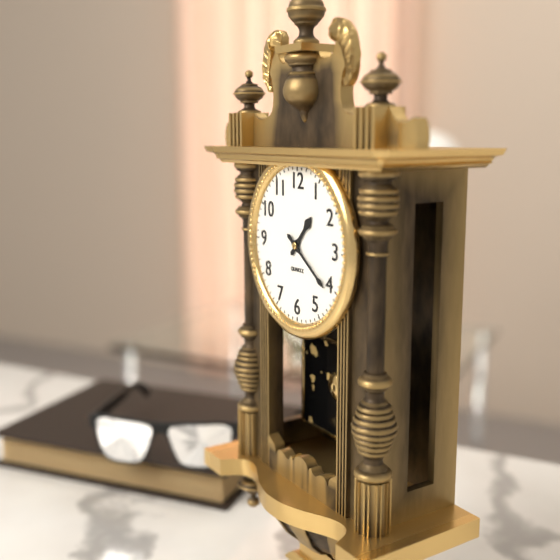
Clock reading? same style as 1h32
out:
1h21
